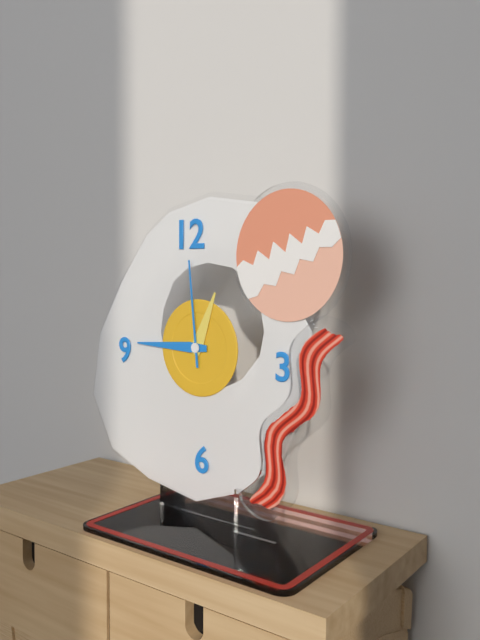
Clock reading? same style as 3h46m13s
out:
12h45m59s
